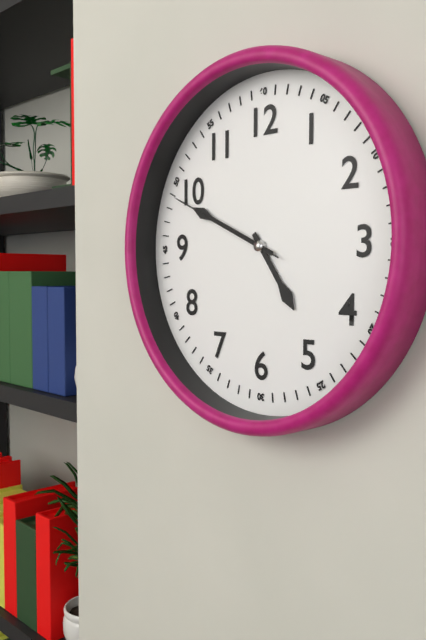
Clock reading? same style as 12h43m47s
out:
4h49m49s
